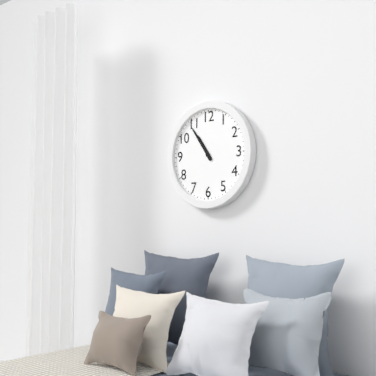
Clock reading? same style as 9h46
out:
10h54
